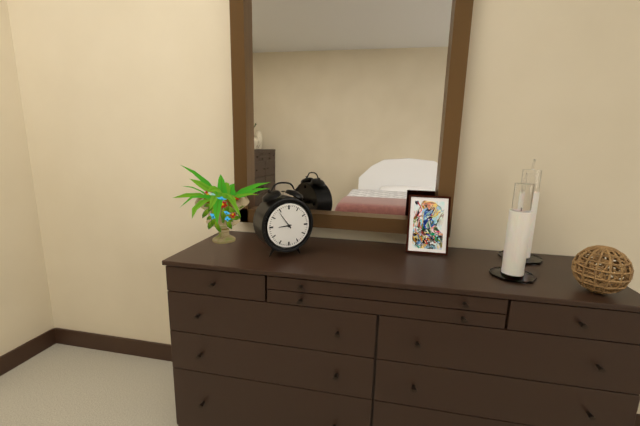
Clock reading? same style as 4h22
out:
8h54
